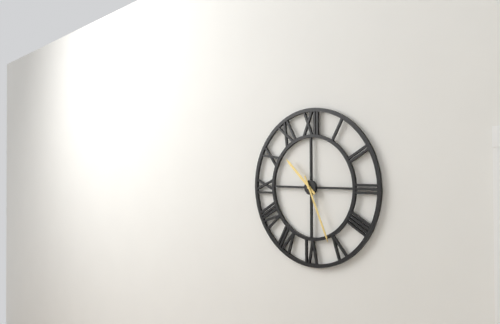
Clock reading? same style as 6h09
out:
10h26
